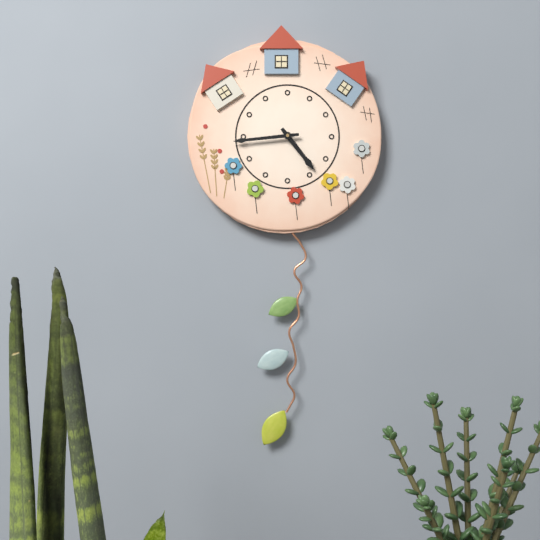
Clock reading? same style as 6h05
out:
4h44
